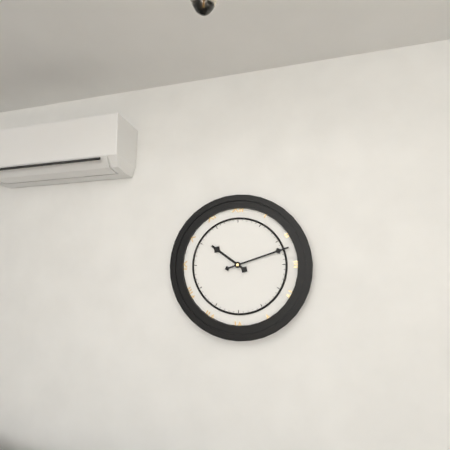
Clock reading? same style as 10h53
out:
10h12
